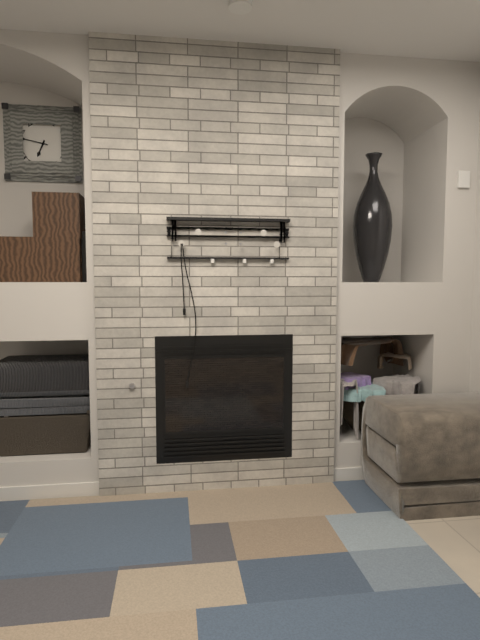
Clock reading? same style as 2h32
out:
6h47
